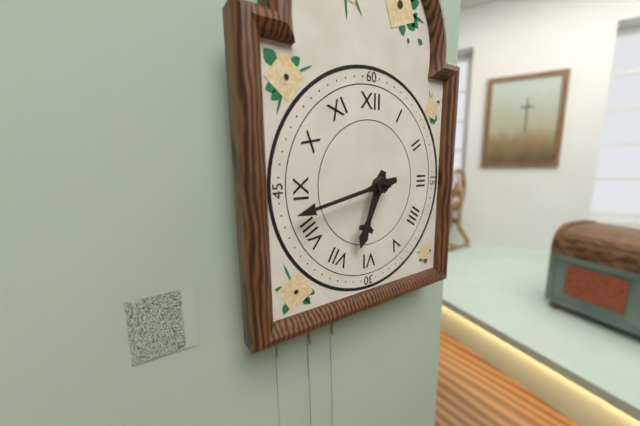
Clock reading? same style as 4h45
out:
6h43
